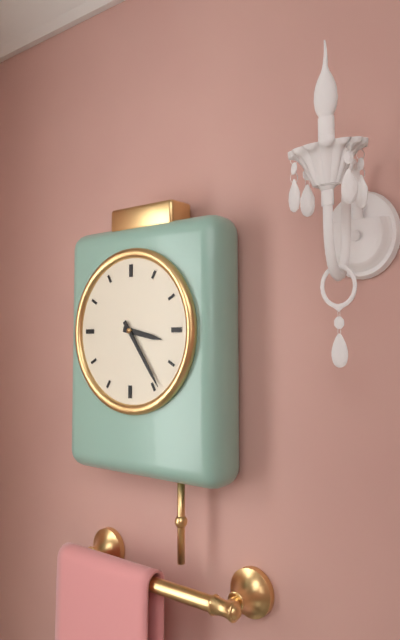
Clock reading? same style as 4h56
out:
3h24
